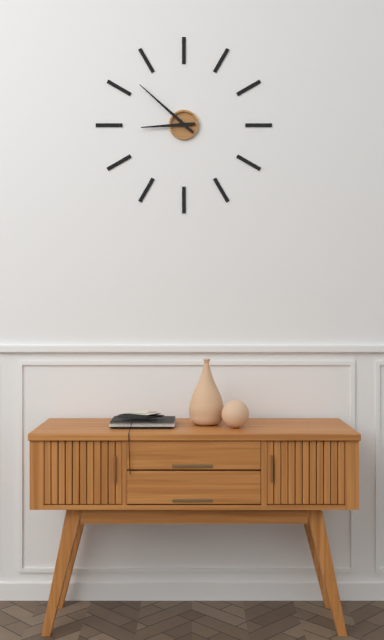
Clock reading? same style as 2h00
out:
8h52
